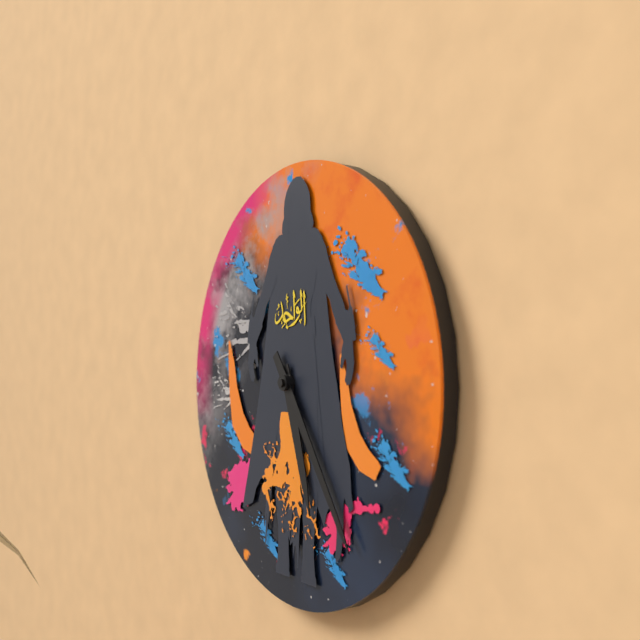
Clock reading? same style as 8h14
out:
5h24
